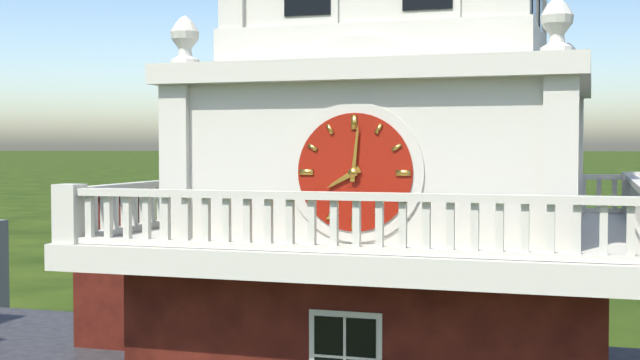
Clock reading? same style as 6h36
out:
8h01
